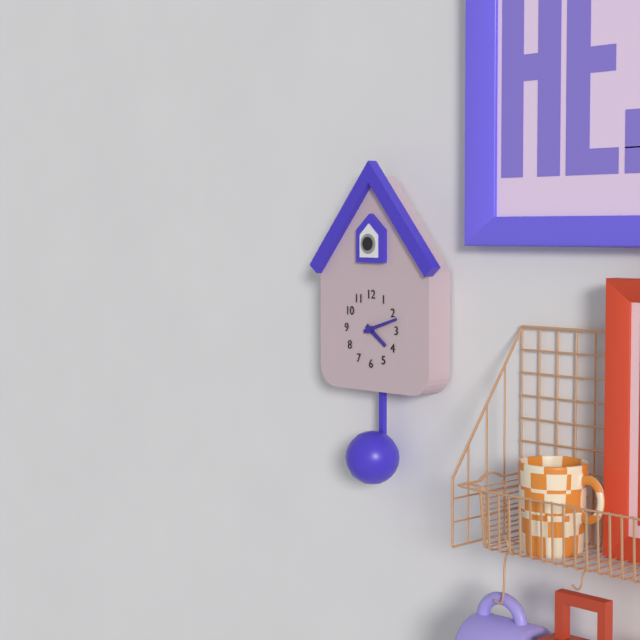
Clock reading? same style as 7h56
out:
4h12
